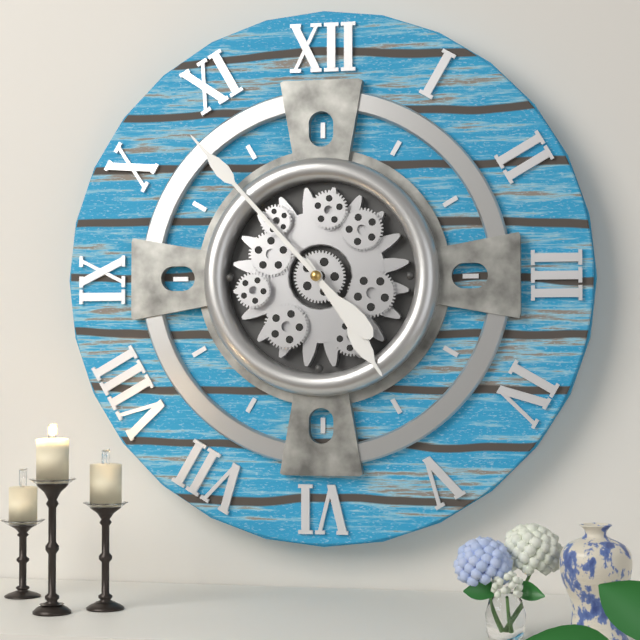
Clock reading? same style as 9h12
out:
4h53
